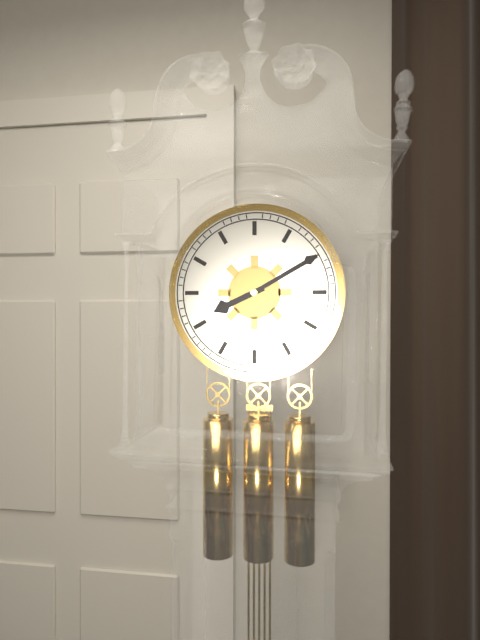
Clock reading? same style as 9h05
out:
8h10
